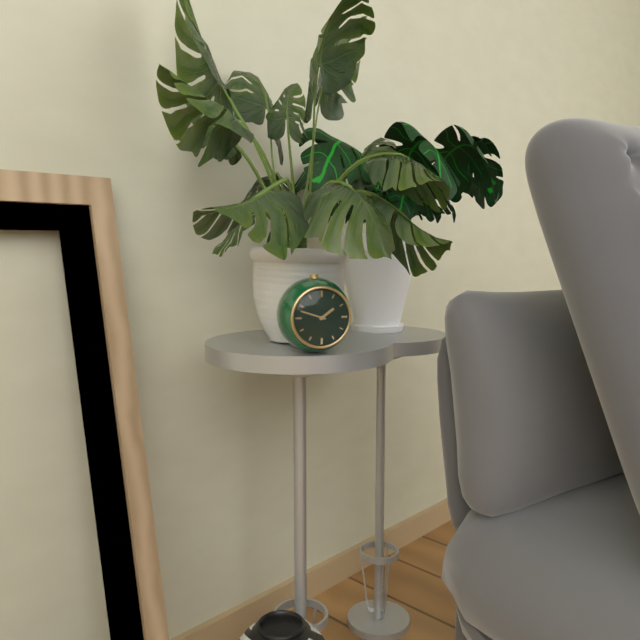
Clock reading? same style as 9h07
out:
1h48
